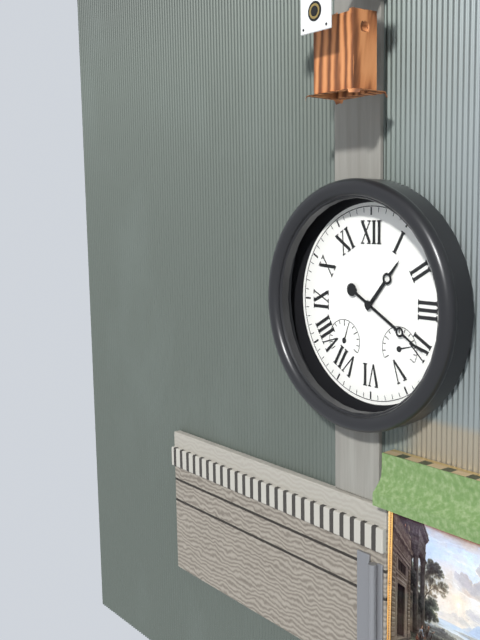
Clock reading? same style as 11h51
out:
1h20
